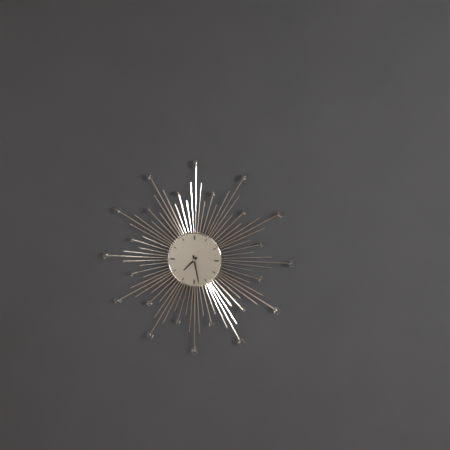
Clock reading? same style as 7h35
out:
7h28
